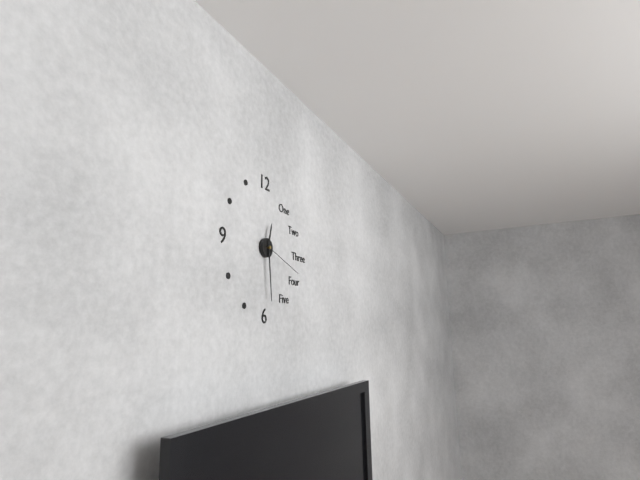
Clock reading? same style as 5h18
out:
12h29
